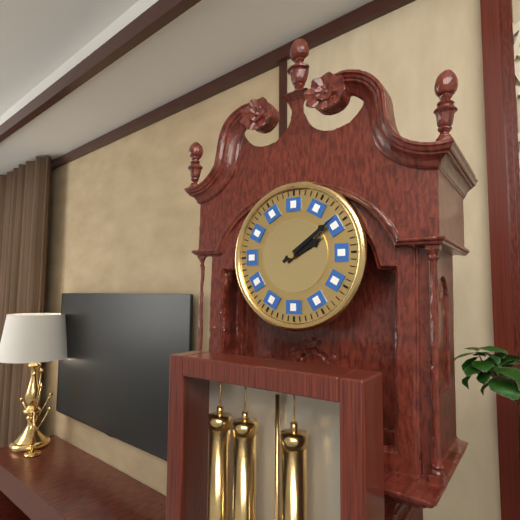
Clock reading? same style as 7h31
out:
2h09
